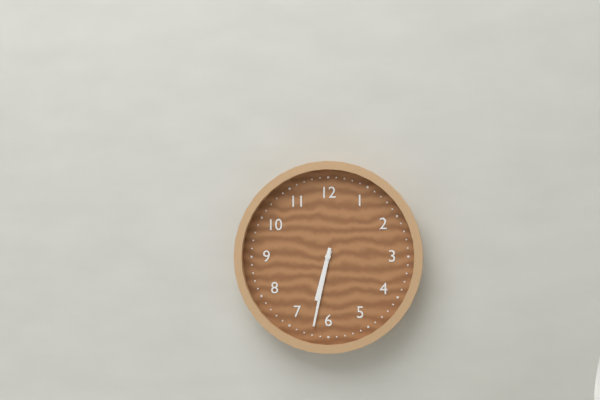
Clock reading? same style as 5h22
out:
6h32
